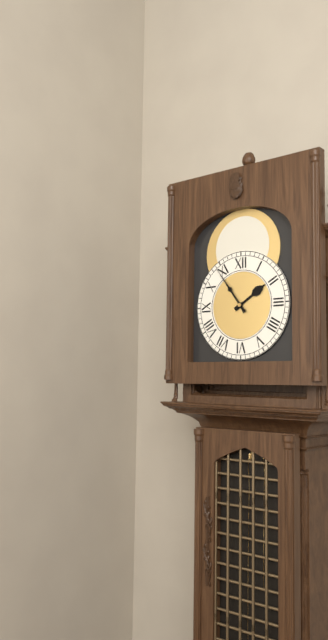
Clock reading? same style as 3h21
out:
1h54
